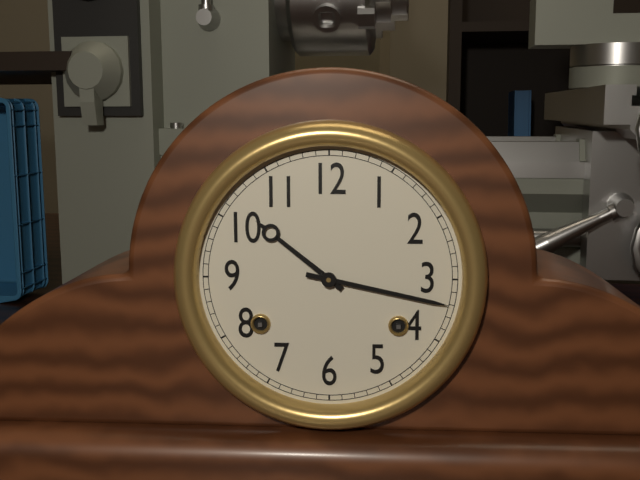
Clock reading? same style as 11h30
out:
10h17
